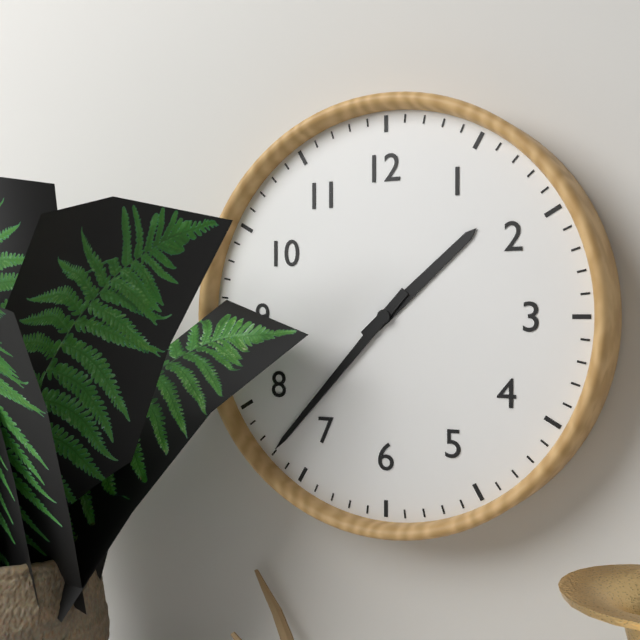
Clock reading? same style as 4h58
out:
1h37
